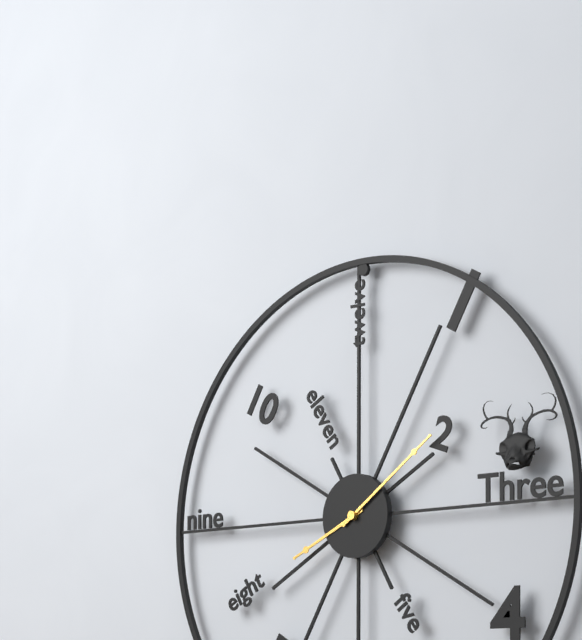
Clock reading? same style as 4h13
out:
8h09
